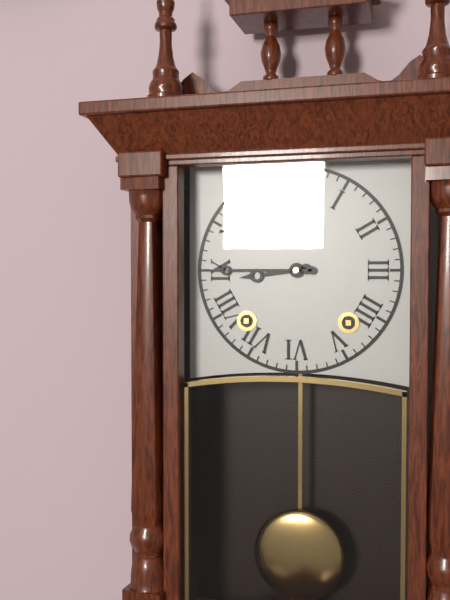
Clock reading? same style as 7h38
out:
8h45
